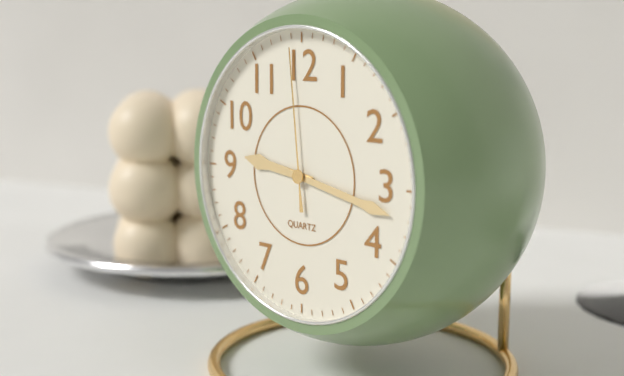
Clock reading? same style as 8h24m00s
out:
9h17m59s
